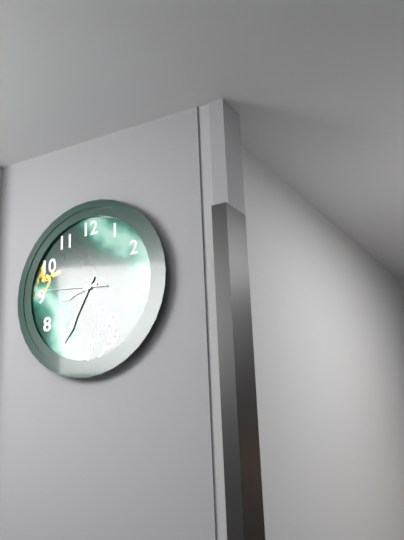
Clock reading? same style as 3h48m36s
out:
8h35m46s
